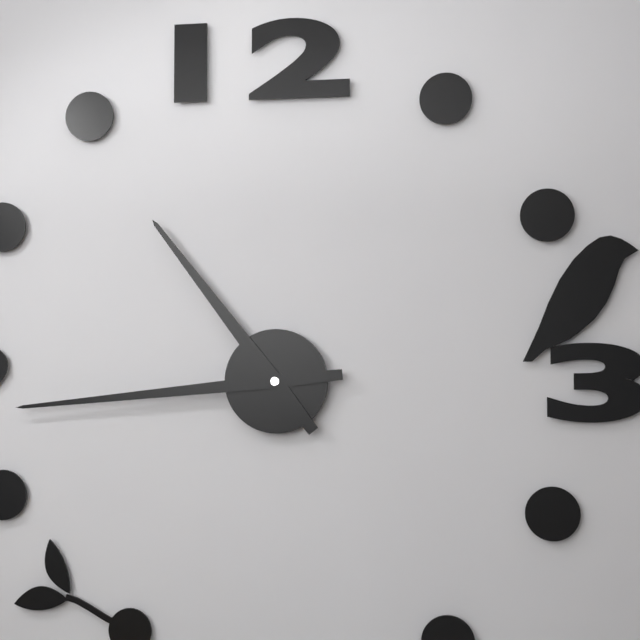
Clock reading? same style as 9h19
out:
10h44
